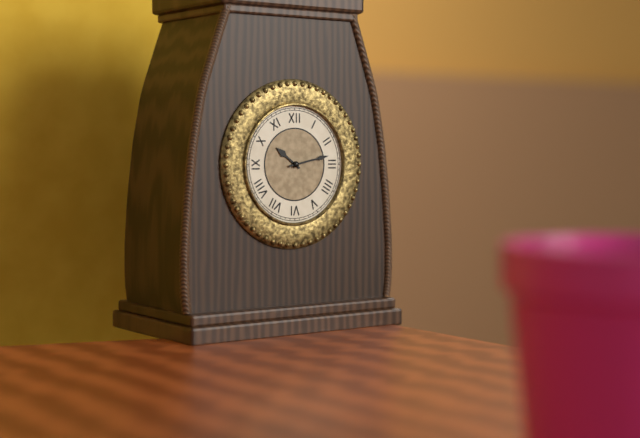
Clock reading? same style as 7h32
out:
10h13
